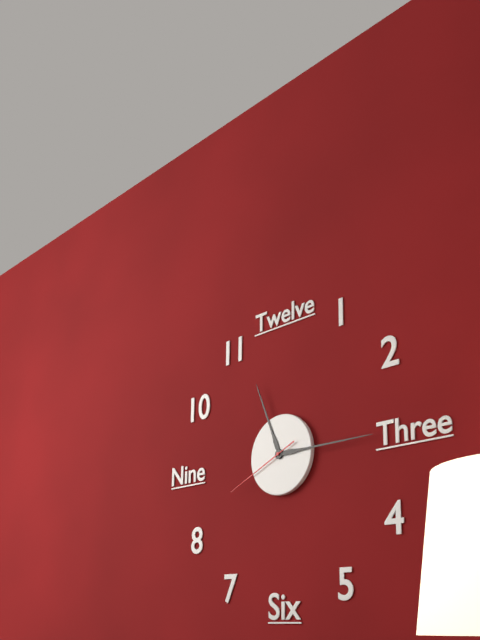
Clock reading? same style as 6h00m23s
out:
11h15m41s
